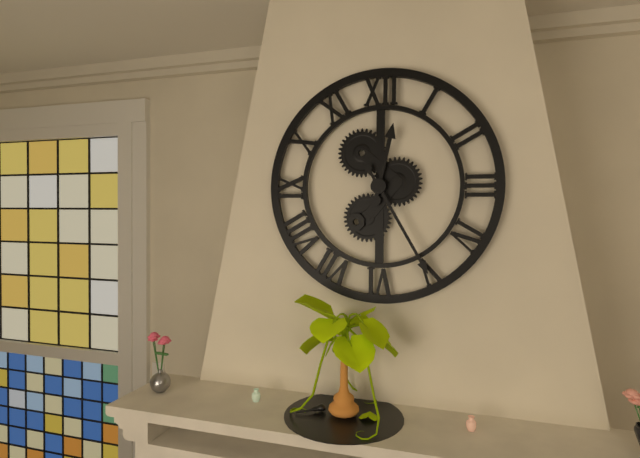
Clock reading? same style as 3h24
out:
12h25
